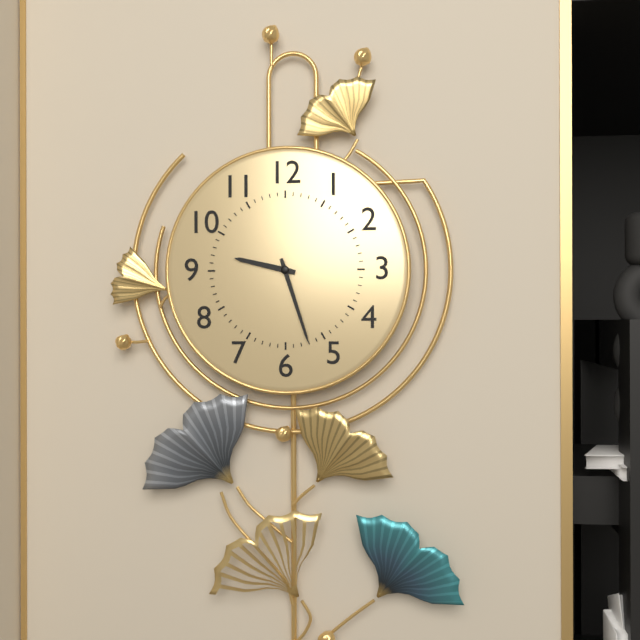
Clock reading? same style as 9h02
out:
9h27
